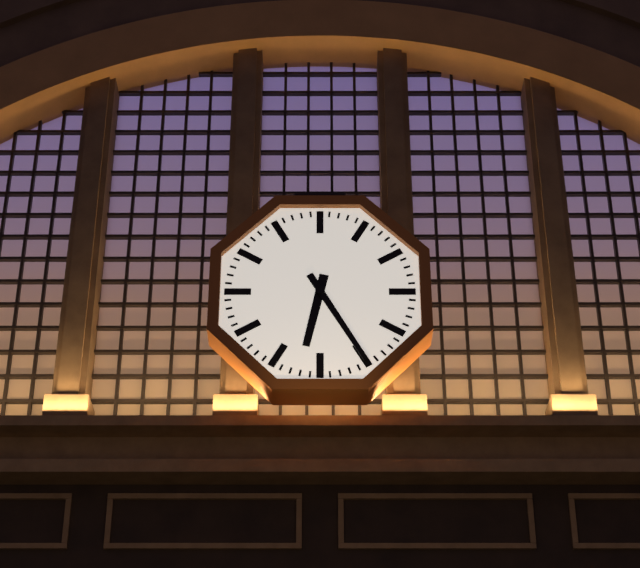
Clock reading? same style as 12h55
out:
6h25
